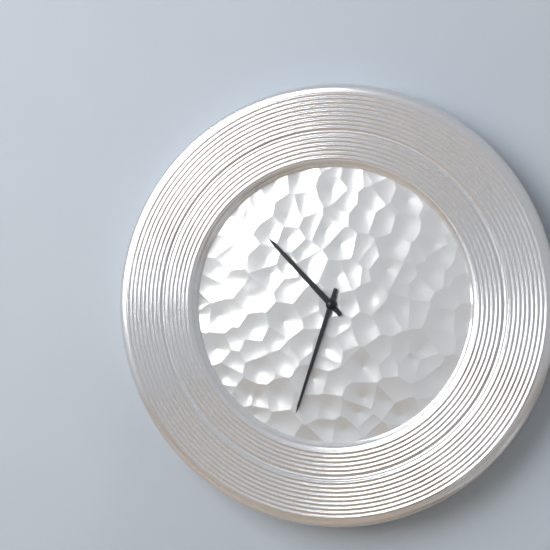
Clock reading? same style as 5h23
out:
10h33
